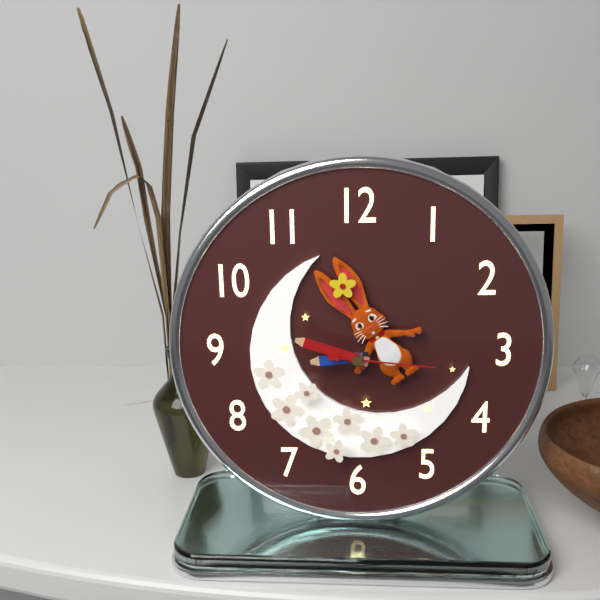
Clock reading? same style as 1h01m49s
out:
8h48m16s
